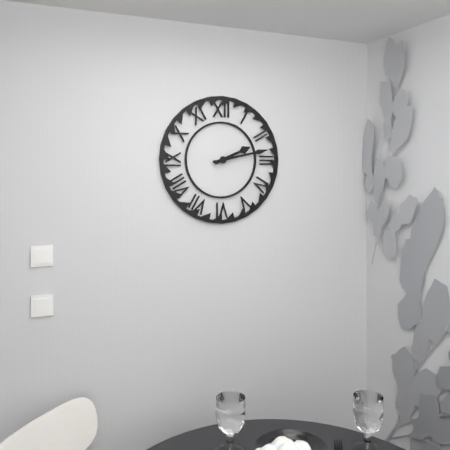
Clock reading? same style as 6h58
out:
2h13
